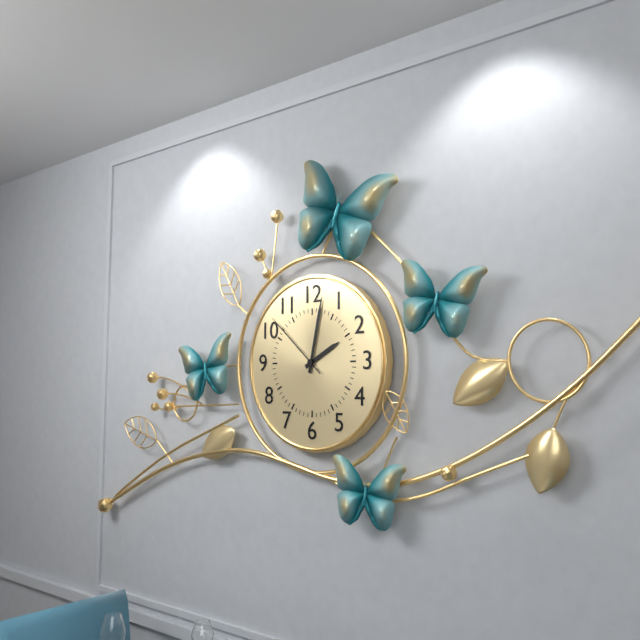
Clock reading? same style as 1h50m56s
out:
2h02m52s
